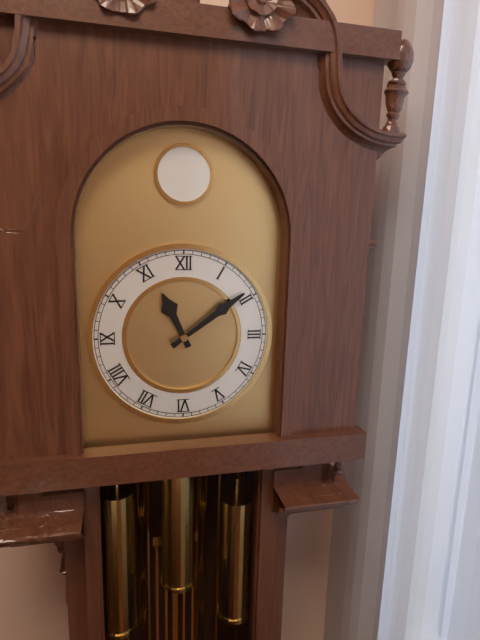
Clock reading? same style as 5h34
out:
11h09
